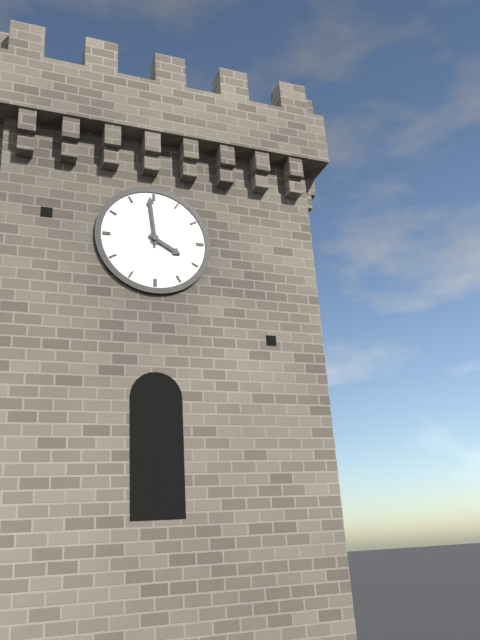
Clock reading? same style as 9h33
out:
3h59
